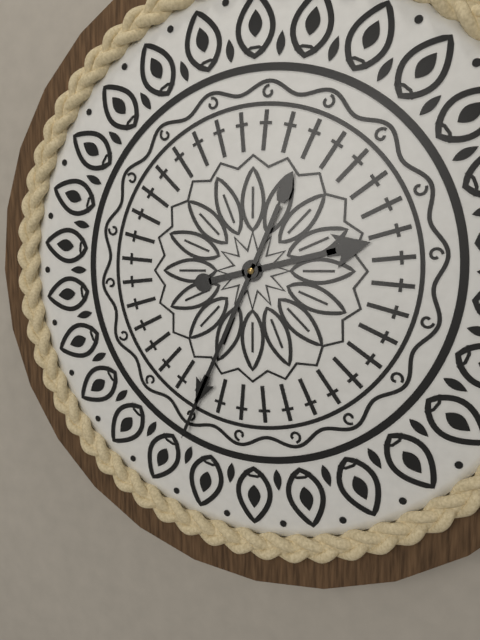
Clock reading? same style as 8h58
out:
2h34
